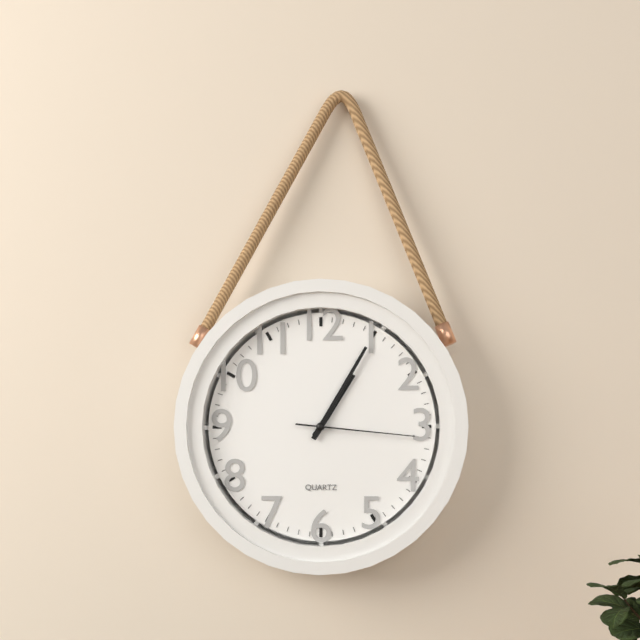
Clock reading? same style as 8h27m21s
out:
1h05m16s
